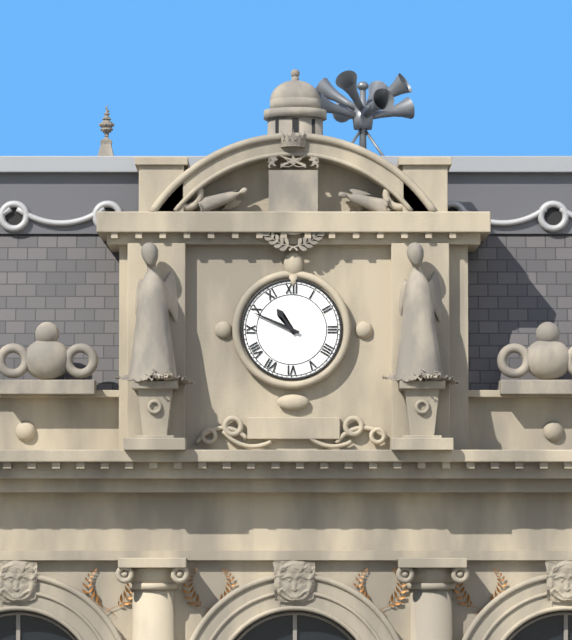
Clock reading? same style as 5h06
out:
10h49
